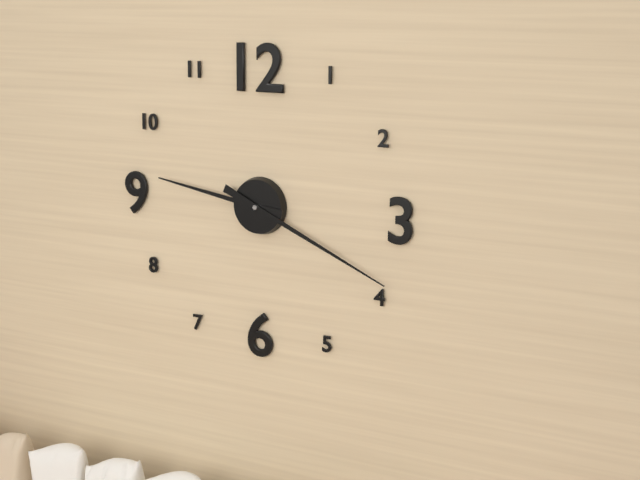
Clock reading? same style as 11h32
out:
9h19
